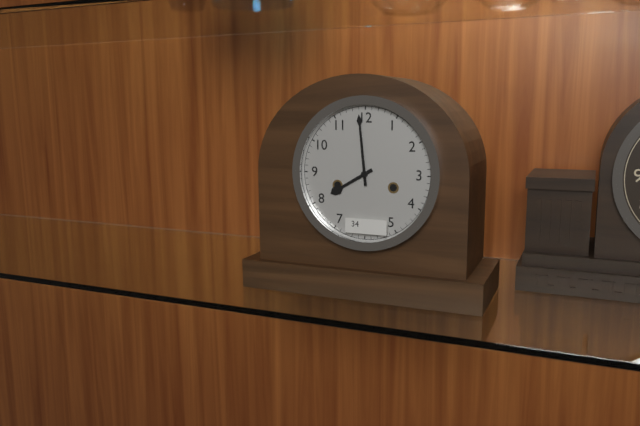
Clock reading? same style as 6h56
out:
7h59
